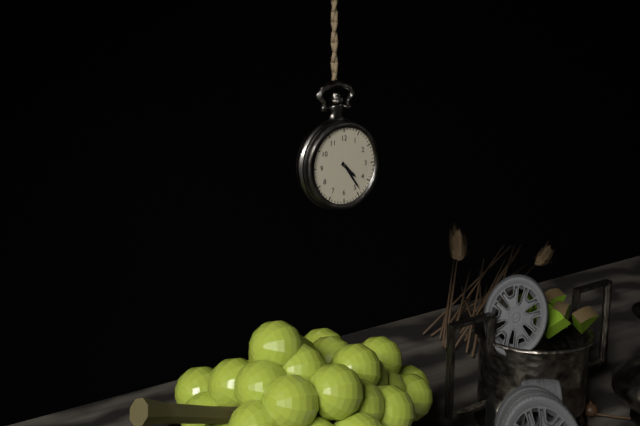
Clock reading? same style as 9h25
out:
4h24
